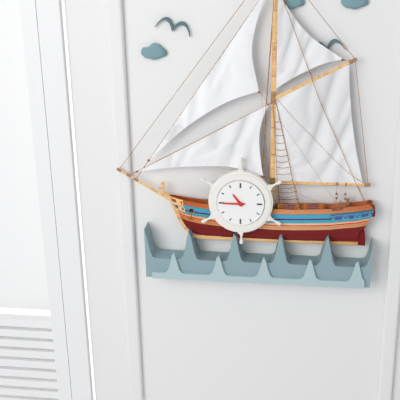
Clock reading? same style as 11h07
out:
10h45
